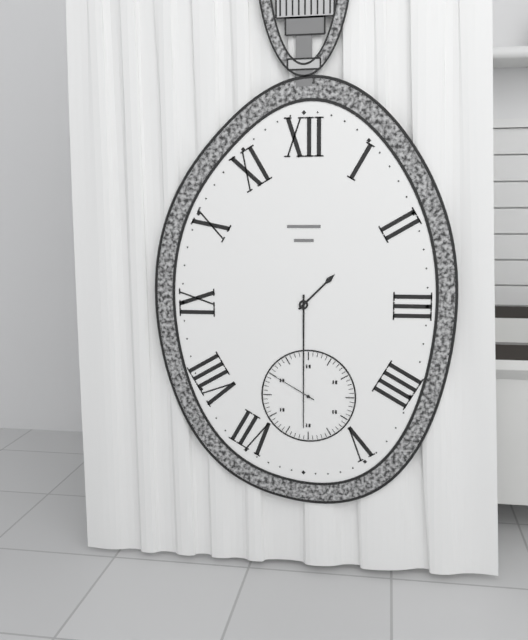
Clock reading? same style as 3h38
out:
1h30
